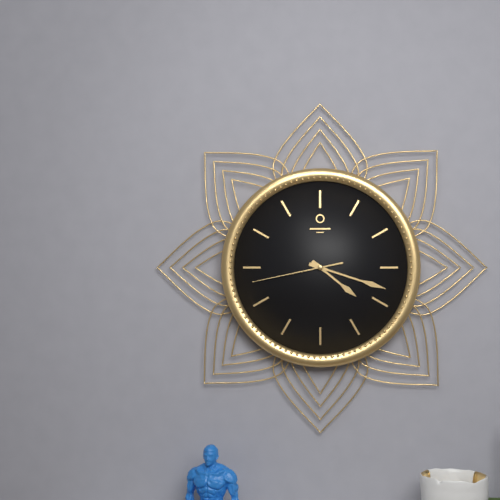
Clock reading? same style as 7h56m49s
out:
4h18m43s
